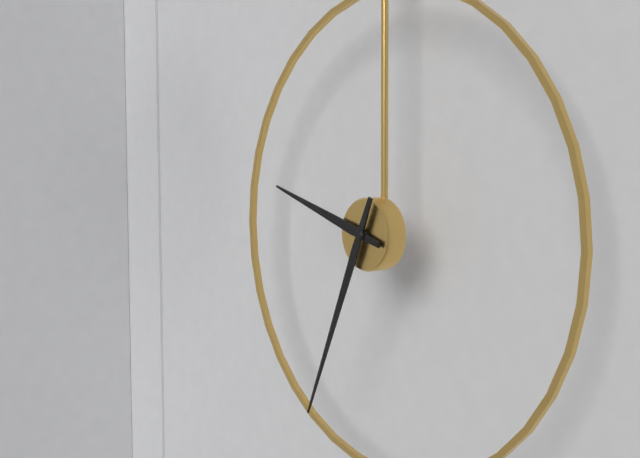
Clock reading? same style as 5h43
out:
9h34
